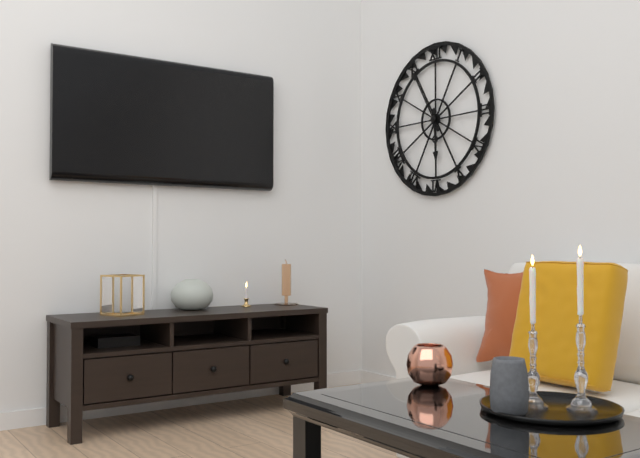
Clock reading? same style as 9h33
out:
5h55
